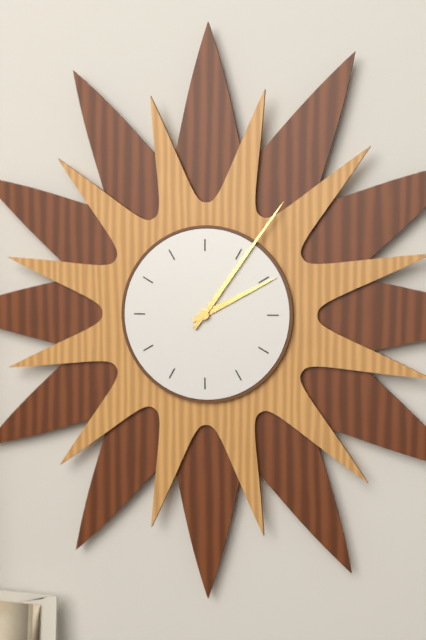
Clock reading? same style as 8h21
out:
2h06
